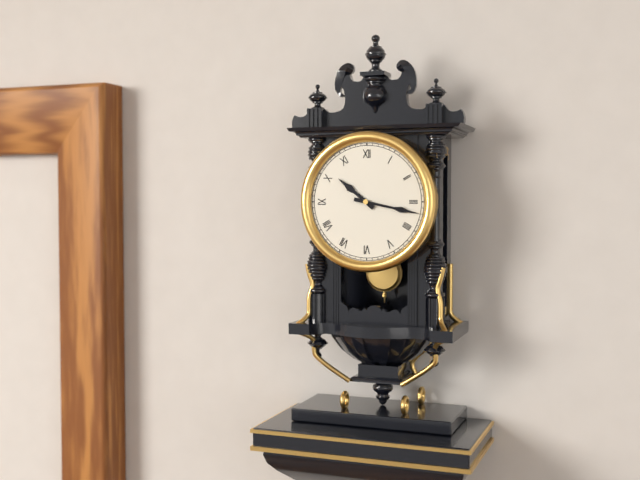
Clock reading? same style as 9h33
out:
10h17
